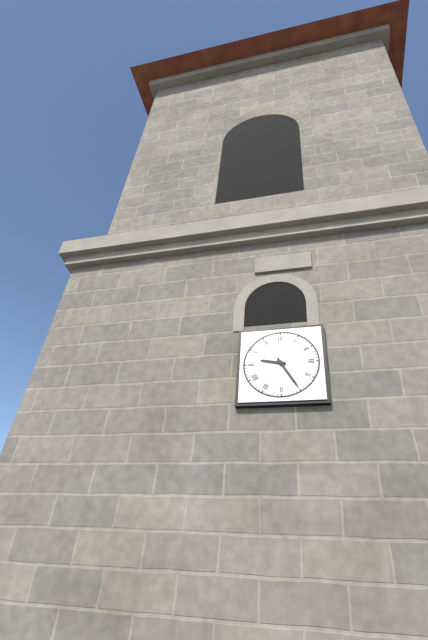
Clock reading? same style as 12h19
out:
9h25
